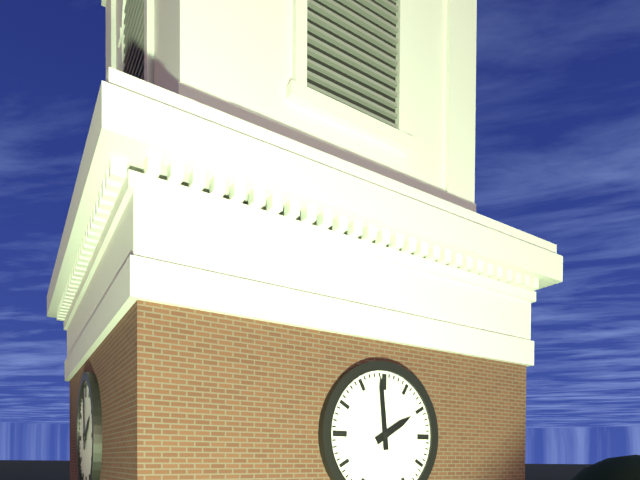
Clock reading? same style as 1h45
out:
1h59
